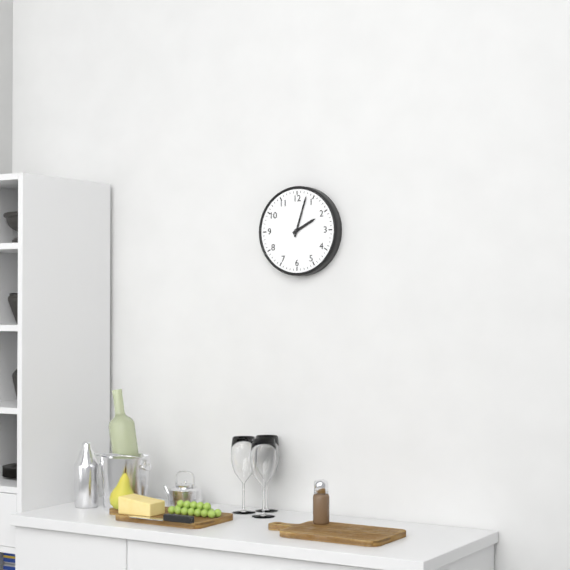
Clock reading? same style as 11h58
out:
2h03
